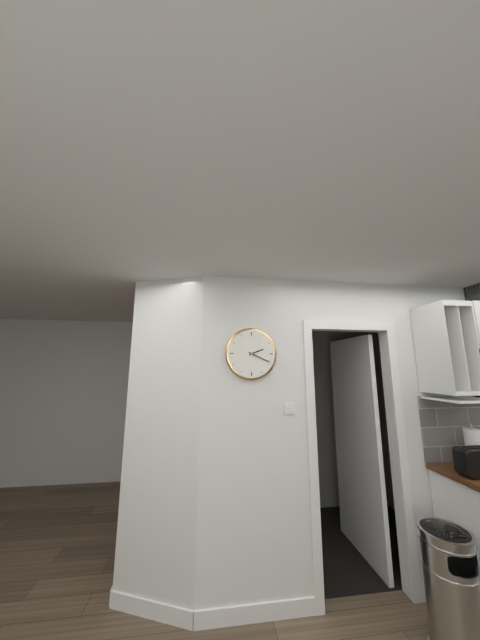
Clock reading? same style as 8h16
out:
2h19
